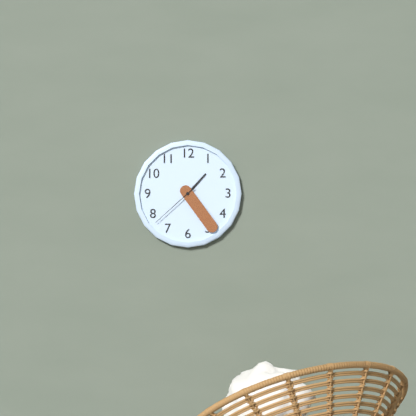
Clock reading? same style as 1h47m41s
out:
1h24m38s
